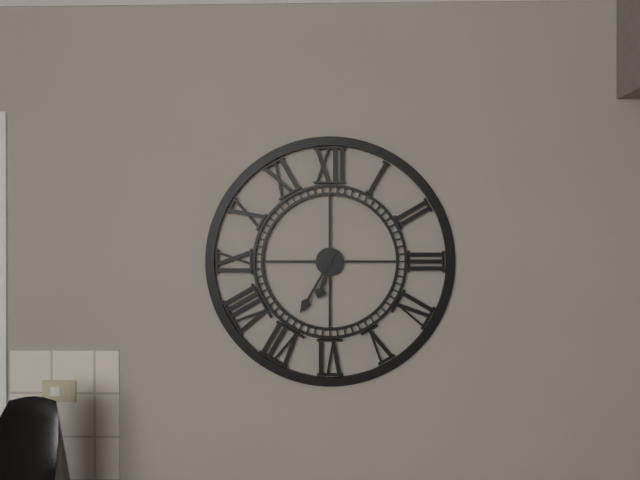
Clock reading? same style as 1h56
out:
6h35
